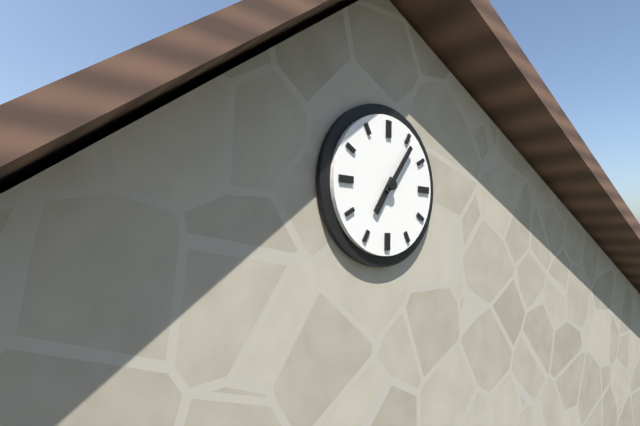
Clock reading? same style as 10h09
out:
7h06
